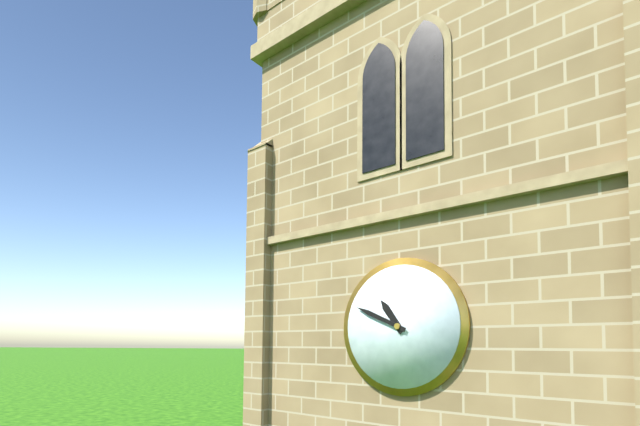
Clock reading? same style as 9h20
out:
10h49
